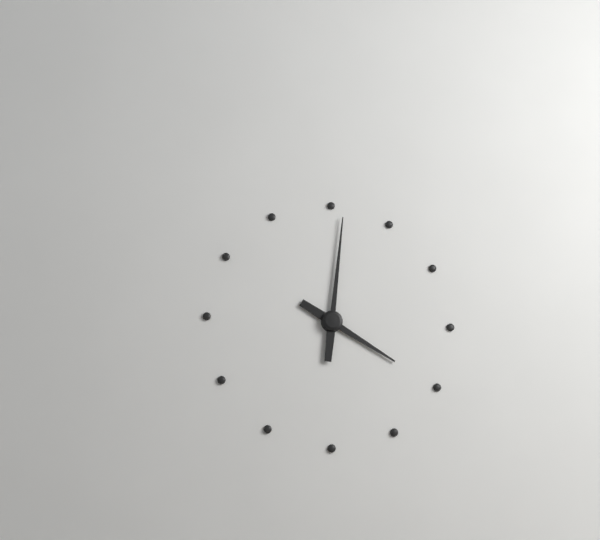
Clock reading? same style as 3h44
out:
4h01
